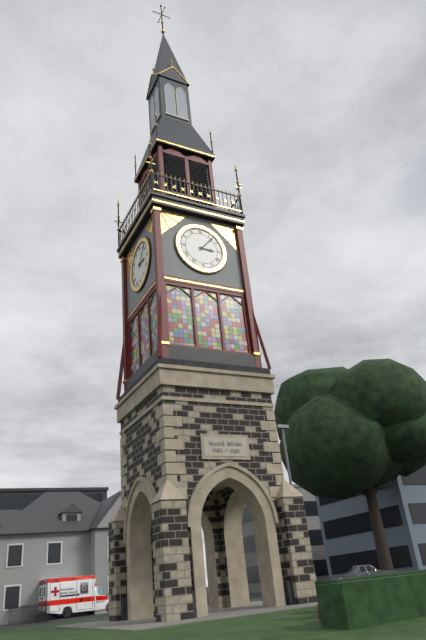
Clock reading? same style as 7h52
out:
3h07
